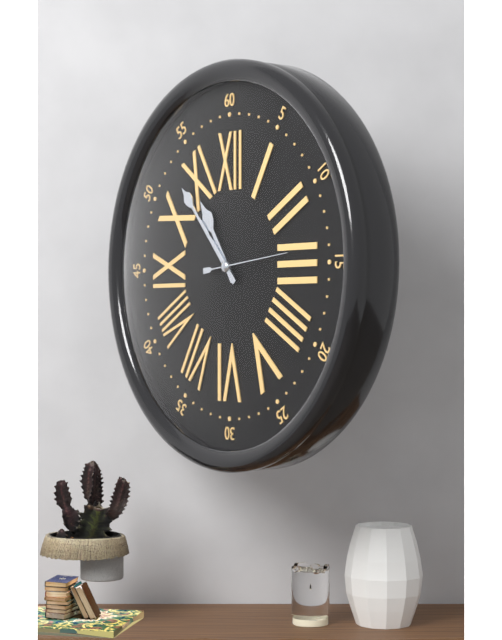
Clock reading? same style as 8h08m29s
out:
10h53m14s
